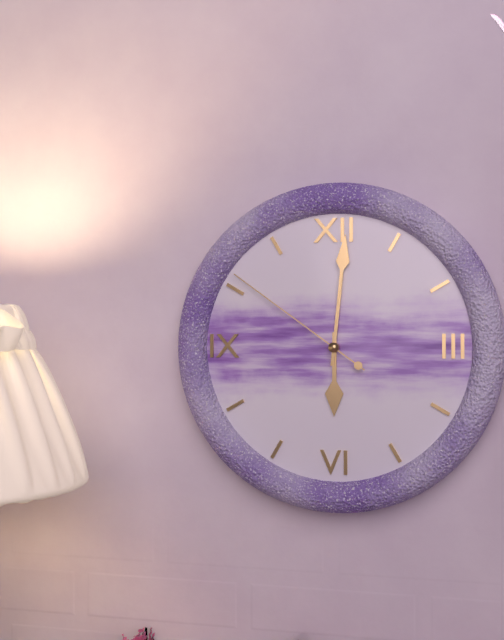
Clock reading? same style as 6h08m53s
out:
6h01m51s
